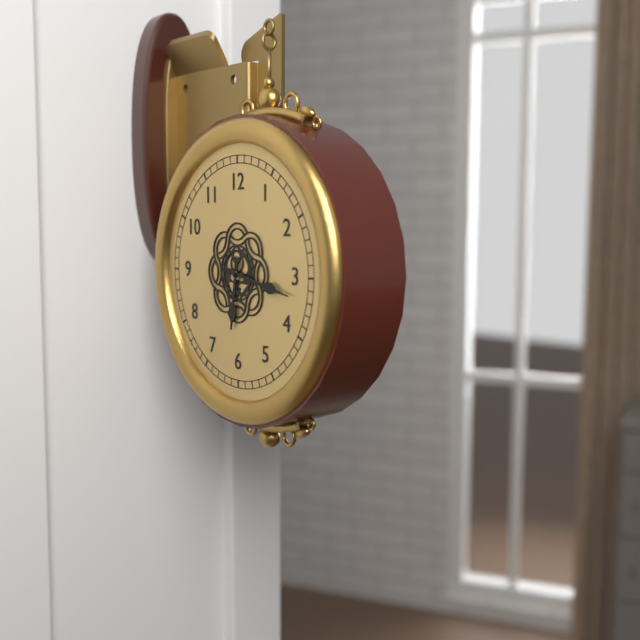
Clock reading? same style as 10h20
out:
6h17
